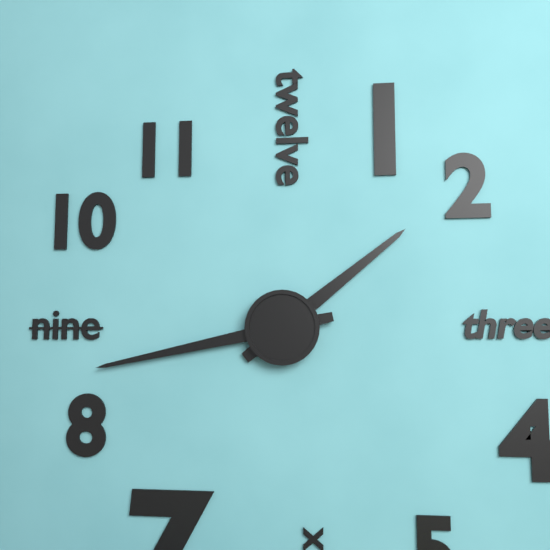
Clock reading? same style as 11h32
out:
1h43
